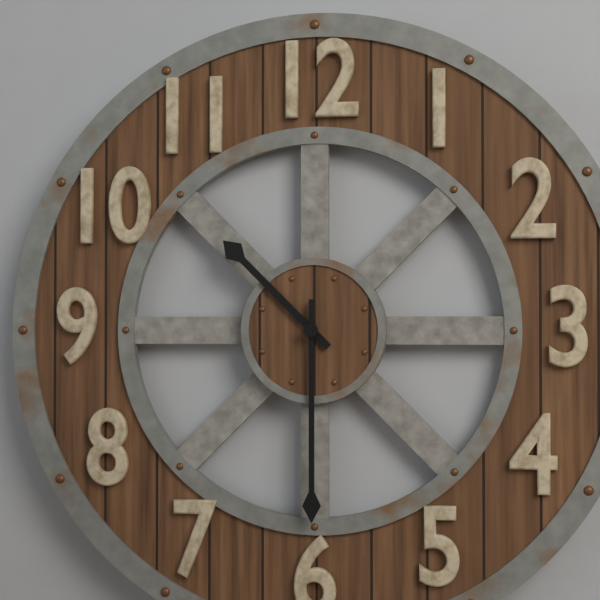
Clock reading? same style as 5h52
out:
10h30
